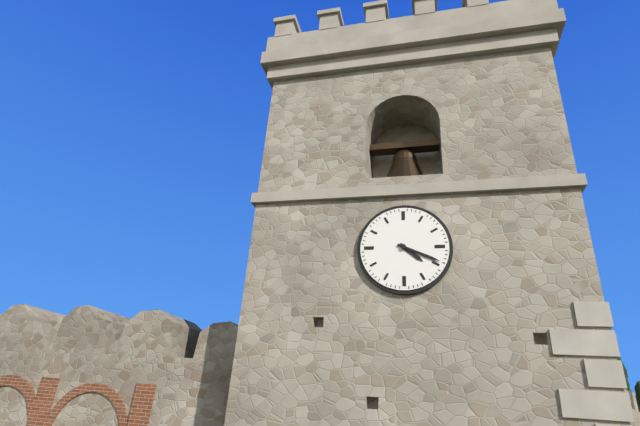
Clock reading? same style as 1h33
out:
4h19
